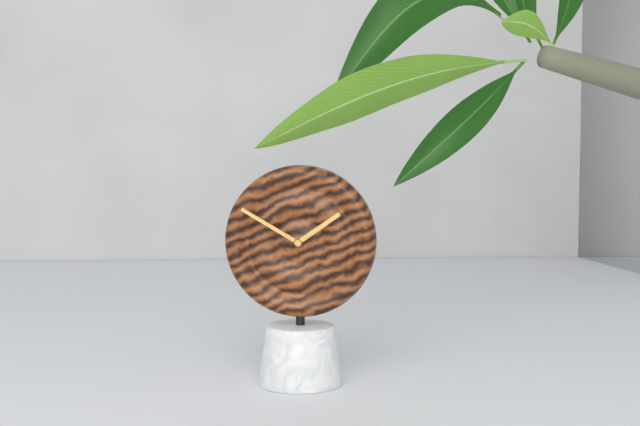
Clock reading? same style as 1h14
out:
1h50
